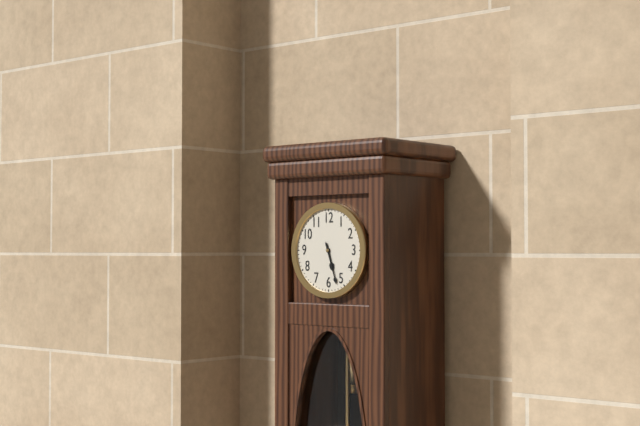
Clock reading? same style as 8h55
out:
5h27
